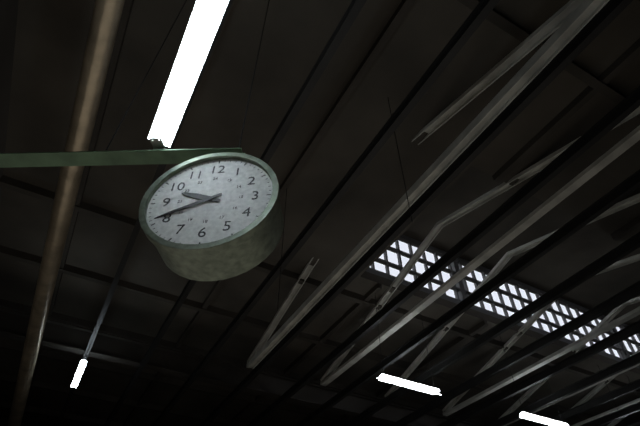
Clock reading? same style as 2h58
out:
9h41
